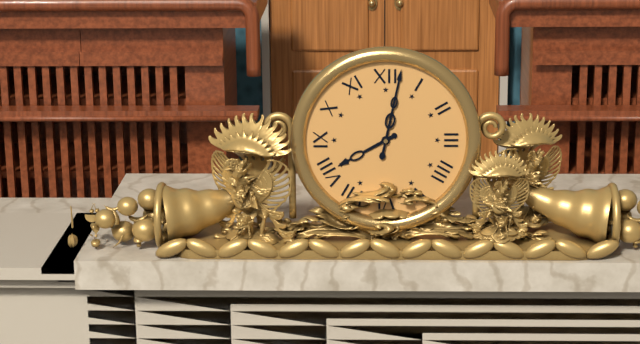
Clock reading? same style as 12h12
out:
8h02
